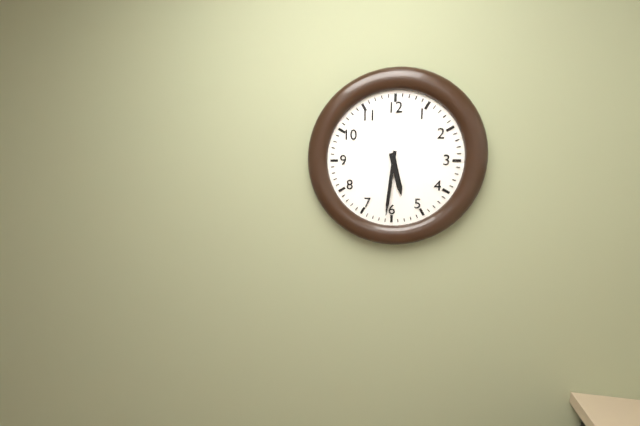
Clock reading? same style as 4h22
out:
5h31
